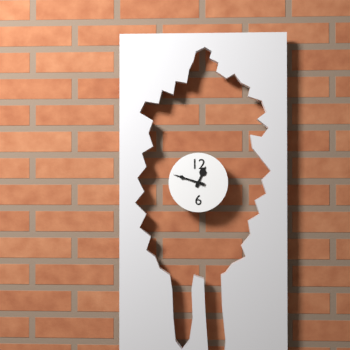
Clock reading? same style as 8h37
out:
12h48
